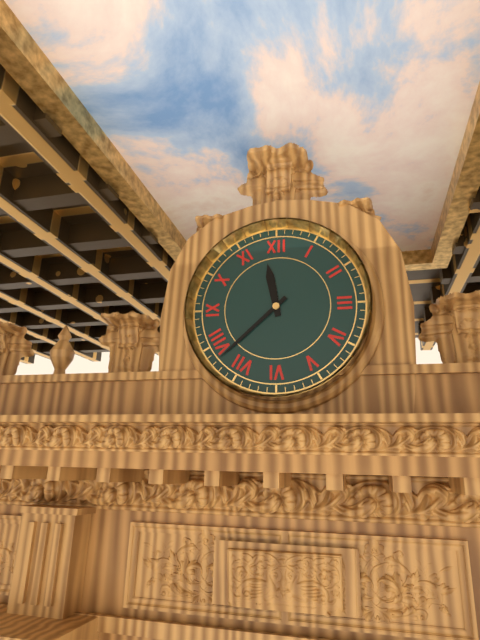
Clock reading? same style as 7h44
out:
11h38
